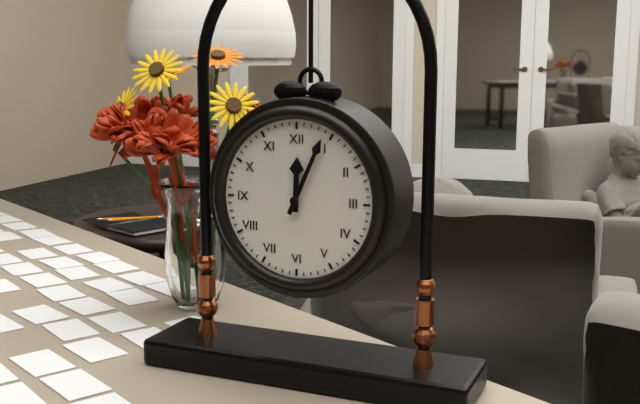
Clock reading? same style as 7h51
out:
12h04
